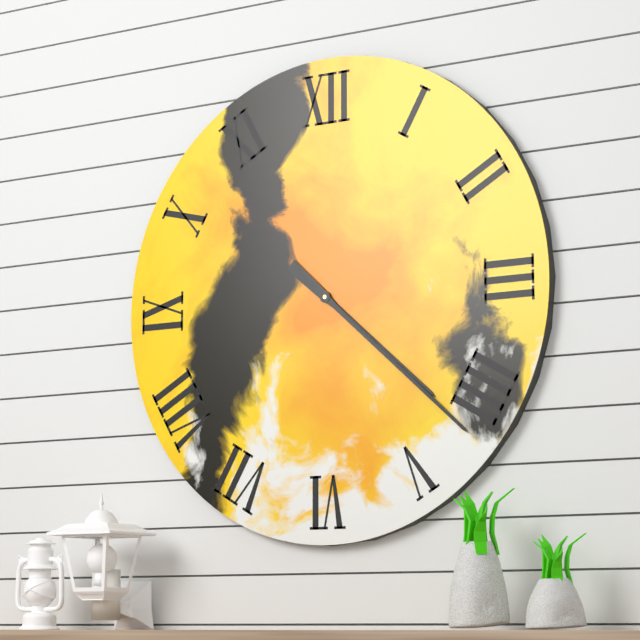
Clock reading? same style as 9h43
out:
4h22
